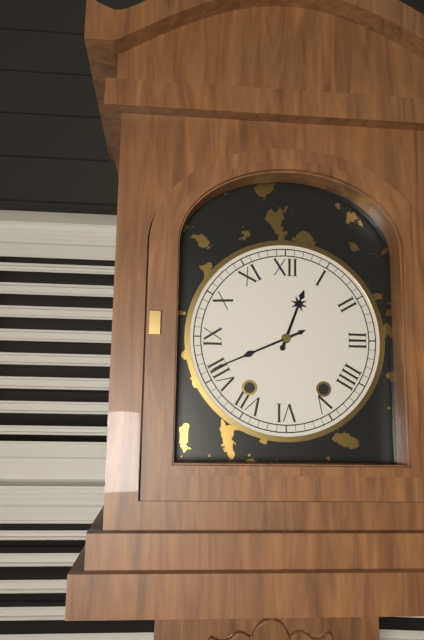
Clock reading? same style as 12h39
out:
12h41
